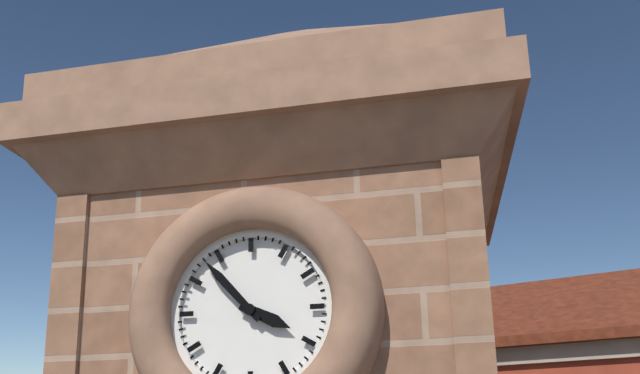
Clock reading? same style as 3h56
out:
3h53
